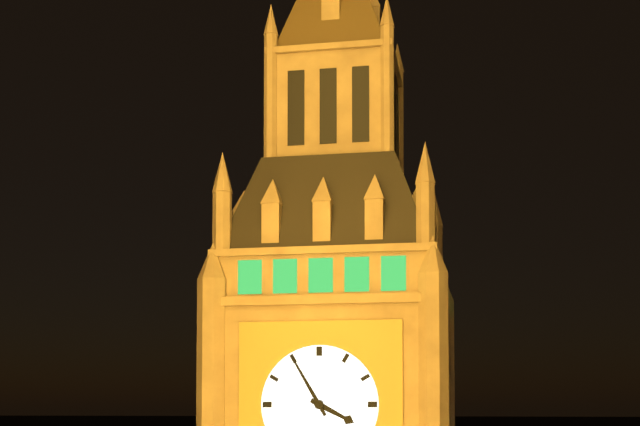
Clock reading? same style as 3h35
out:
3h55
